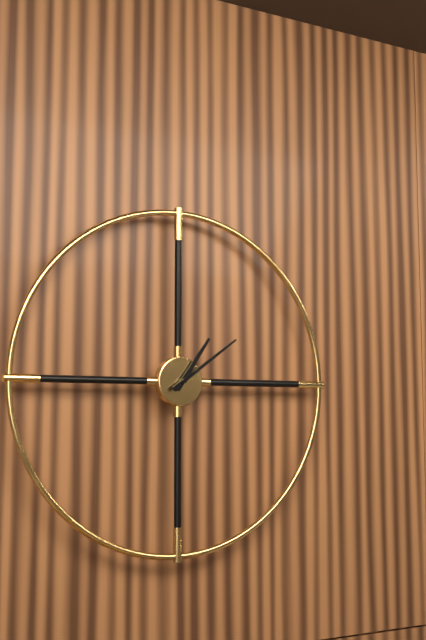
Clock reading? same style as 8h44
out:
1h09
